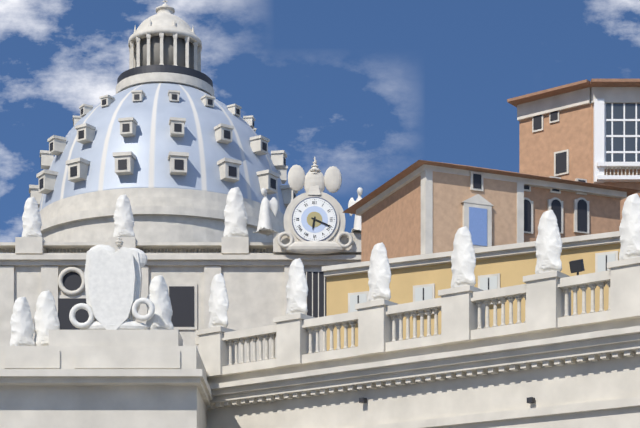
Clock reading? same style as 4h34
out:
6h19
